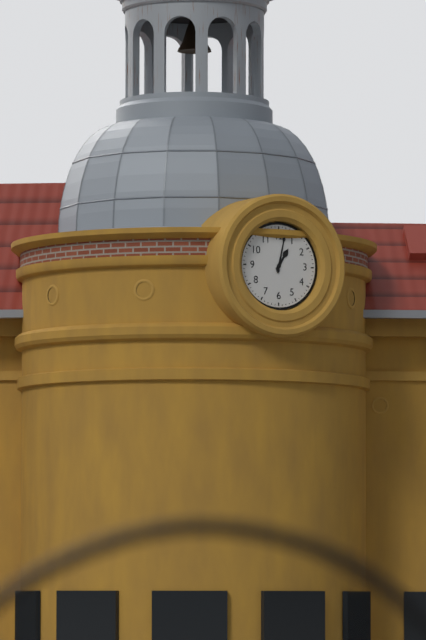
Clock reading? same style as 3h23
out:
1h02
